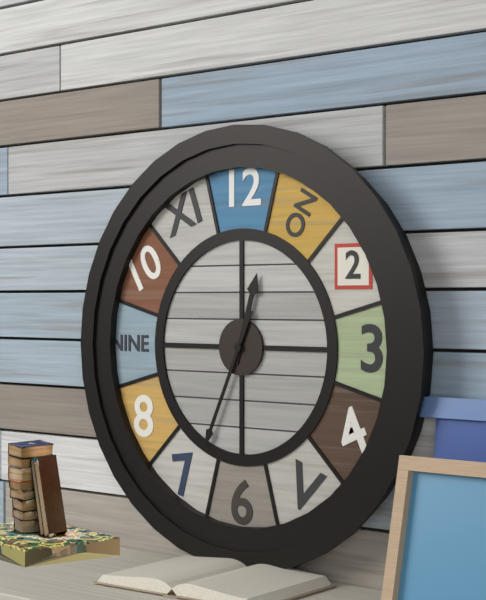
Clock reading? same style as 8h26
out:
12h34
